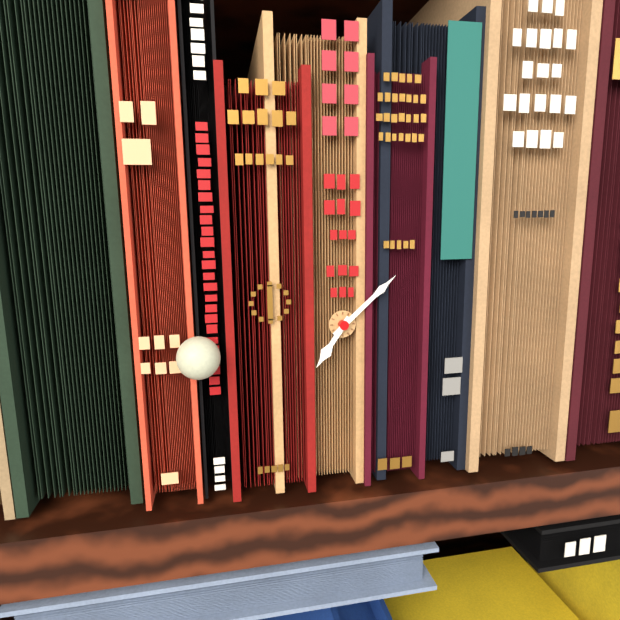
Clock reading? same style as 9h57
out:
7h08
